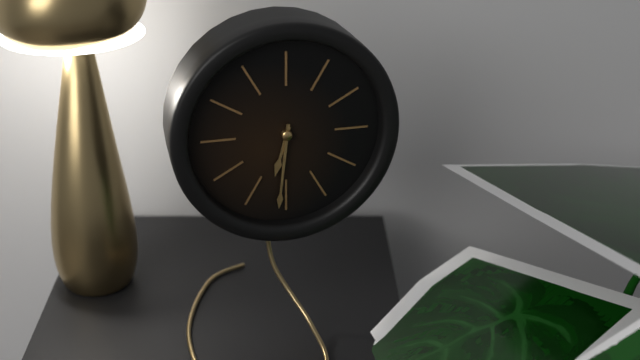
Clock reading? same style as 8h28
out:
6h31
